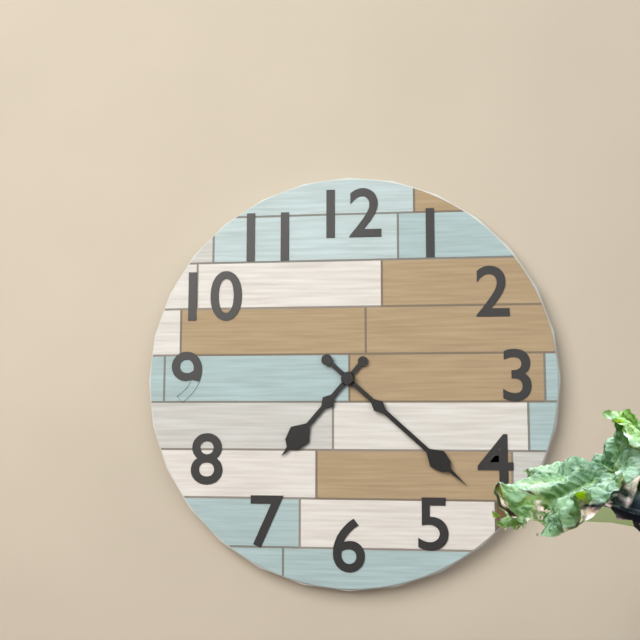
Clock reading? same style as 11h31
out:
7h22
